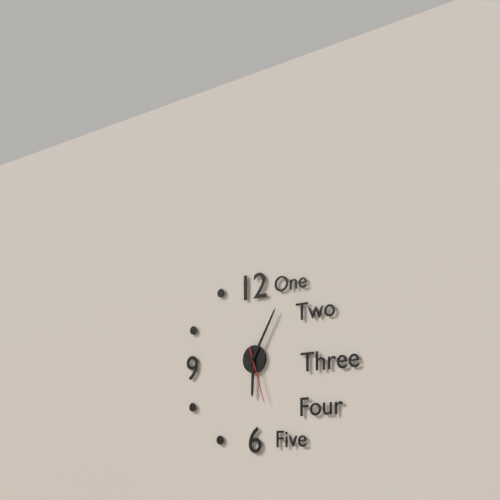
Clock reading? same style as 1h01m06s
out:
6h05m27s
